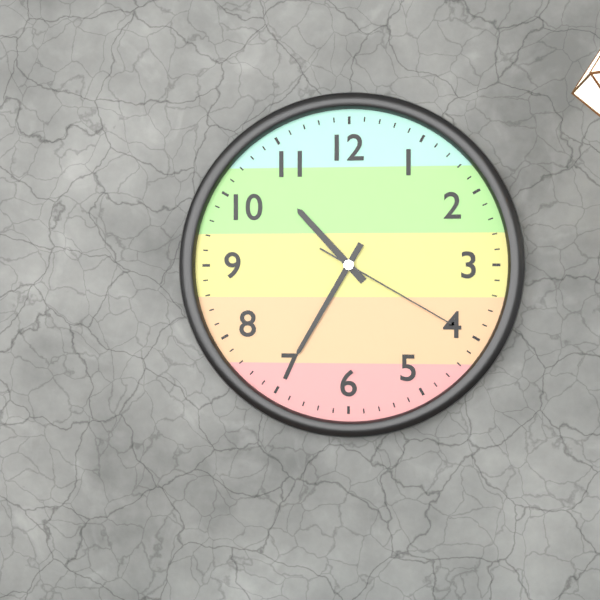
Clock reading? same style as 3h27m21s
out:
10h35m20s
